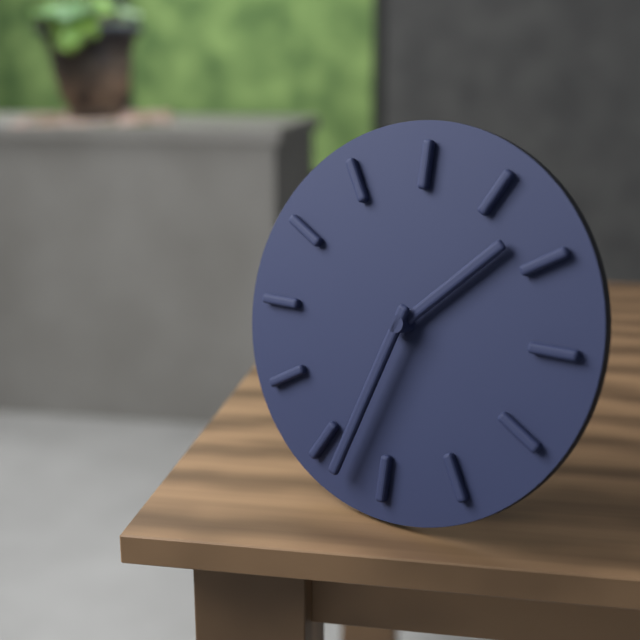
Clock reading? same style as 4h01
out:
1h33
